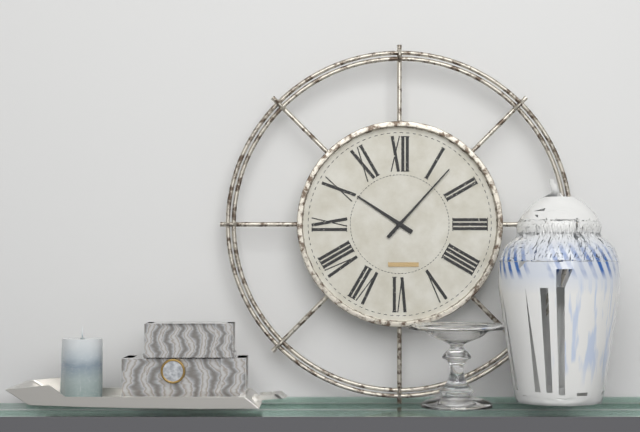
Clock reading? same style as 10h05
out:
10h07
